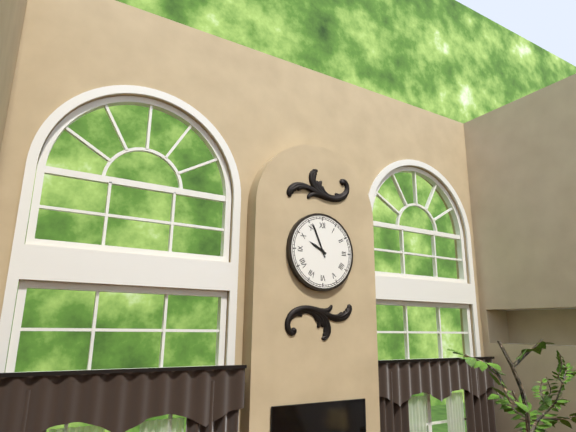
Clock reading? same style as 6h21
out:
9h56
